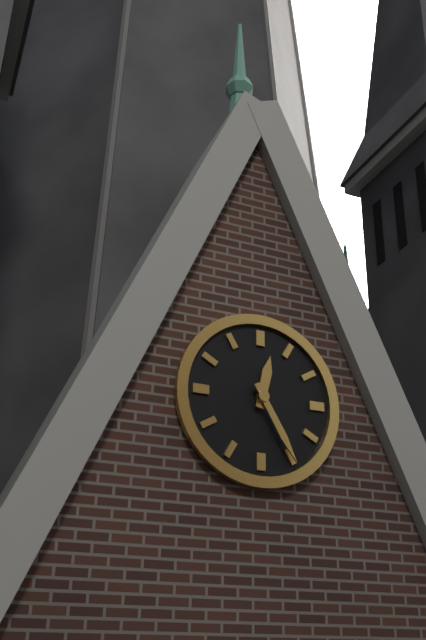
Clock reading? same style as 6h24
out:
12h25
